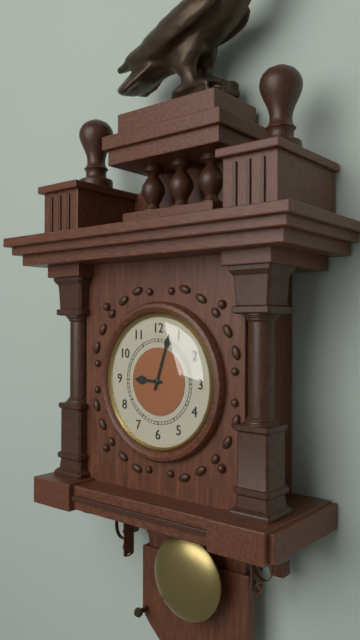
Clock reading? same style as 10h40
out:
9h03
